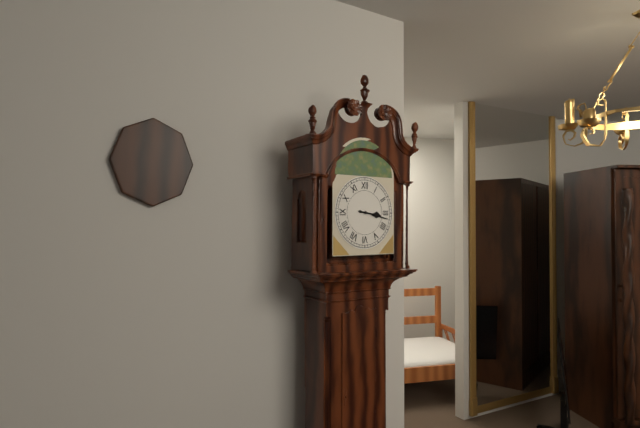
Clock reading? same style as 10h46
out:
3h17
